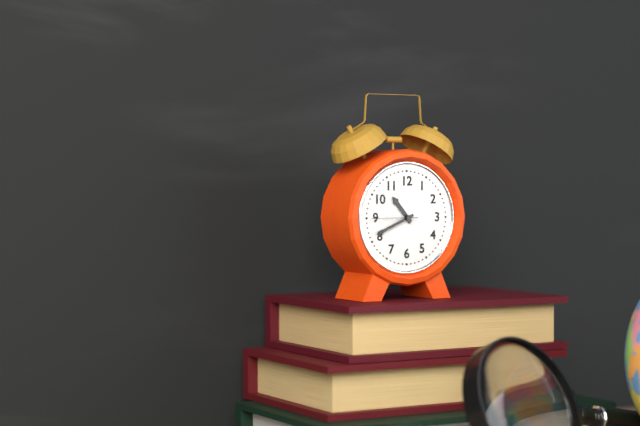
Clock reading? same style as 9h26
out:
10h41
